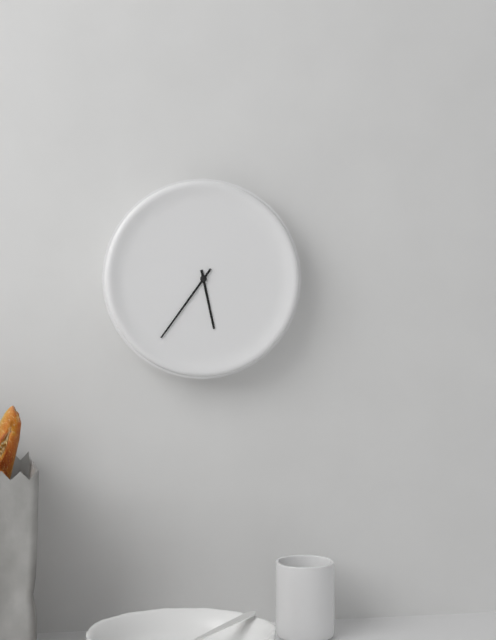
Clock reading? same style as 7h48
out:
5h36
